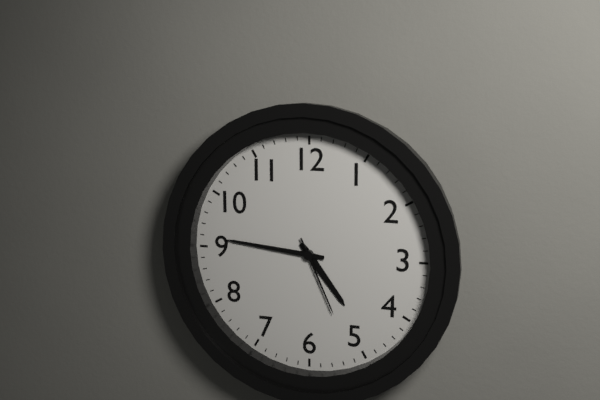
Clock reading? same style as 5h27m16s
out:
4h46m26s
